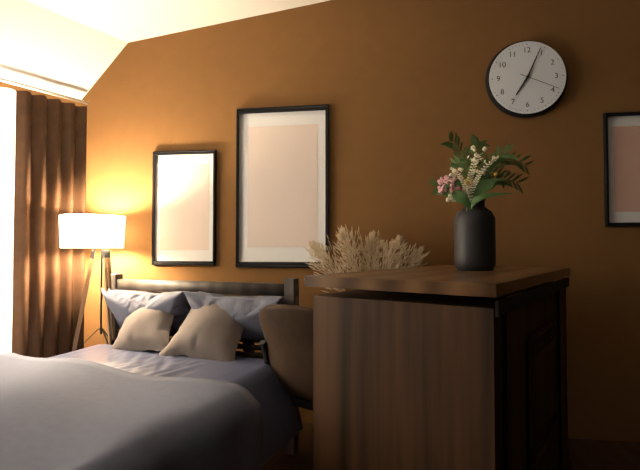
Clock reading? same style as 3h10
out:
7h04
